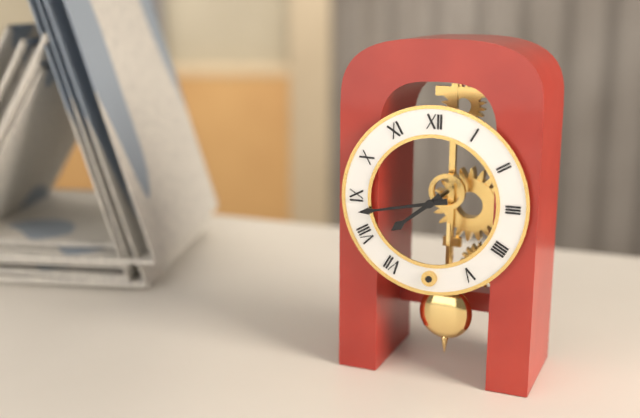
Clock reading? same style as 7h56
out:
7h43
